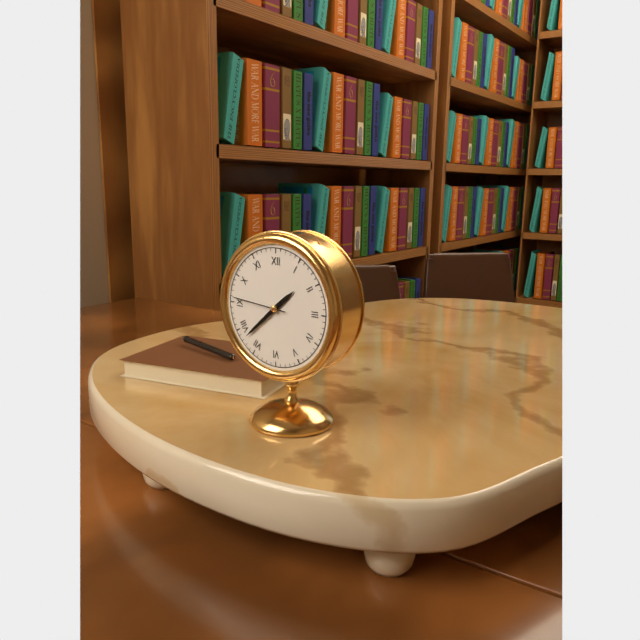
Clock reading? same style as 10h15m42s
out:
1h38m46s
